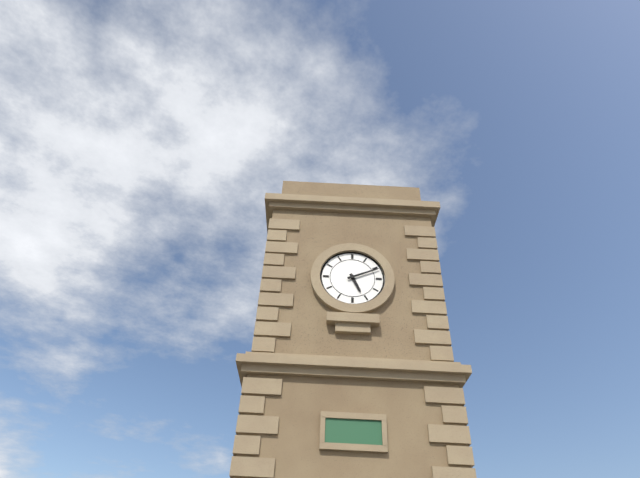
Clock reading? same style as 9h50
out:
5h11
